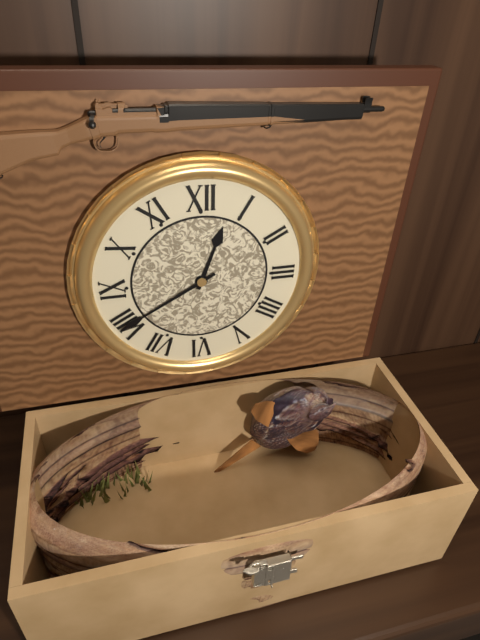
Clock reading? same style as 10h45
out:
12h40
